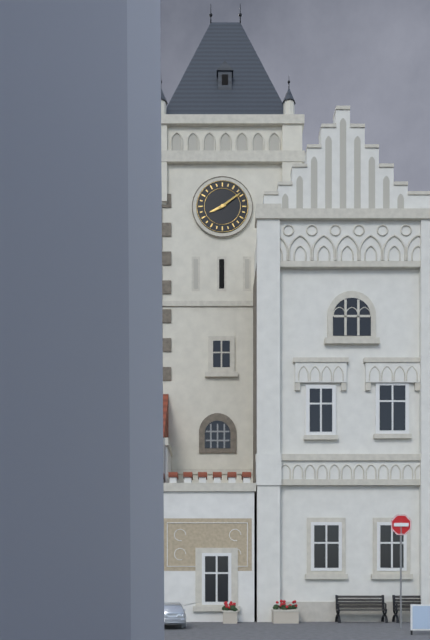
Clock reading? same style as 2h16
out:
8h09
